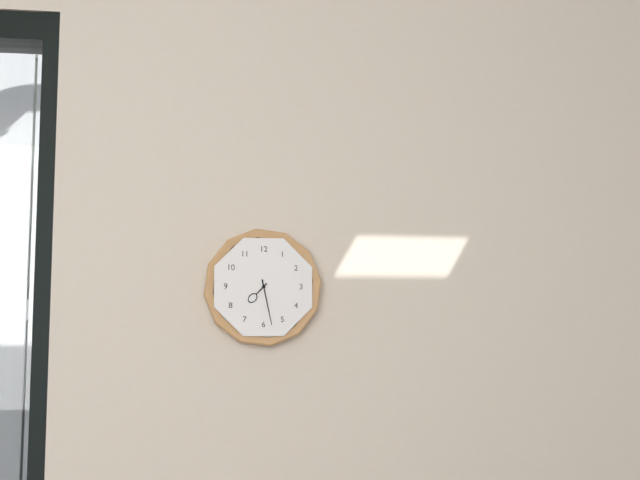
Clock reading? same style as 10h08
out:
7h28
